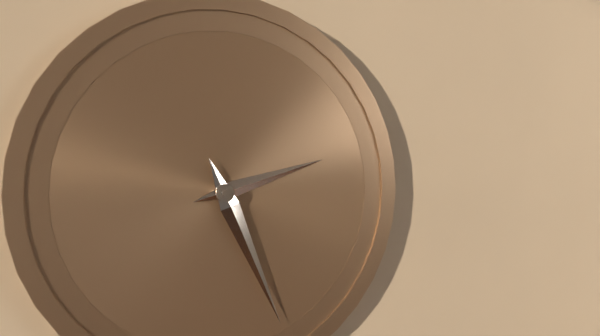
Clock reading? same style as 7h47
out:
2h26
